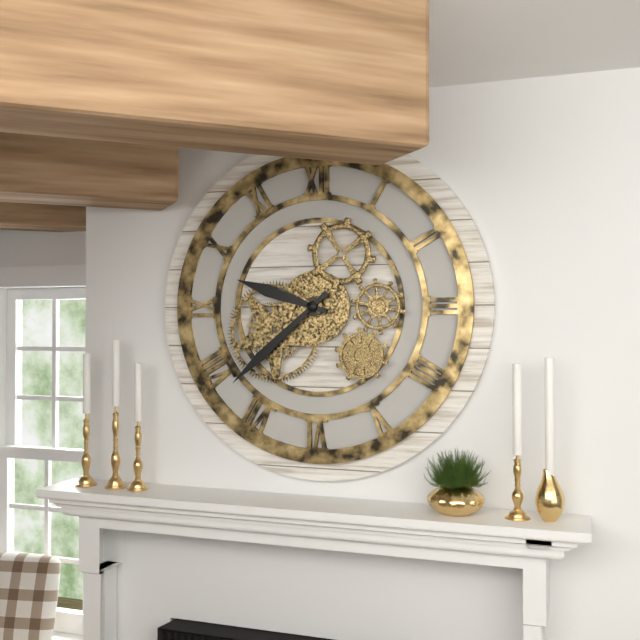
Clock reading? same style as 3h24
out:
9h38
